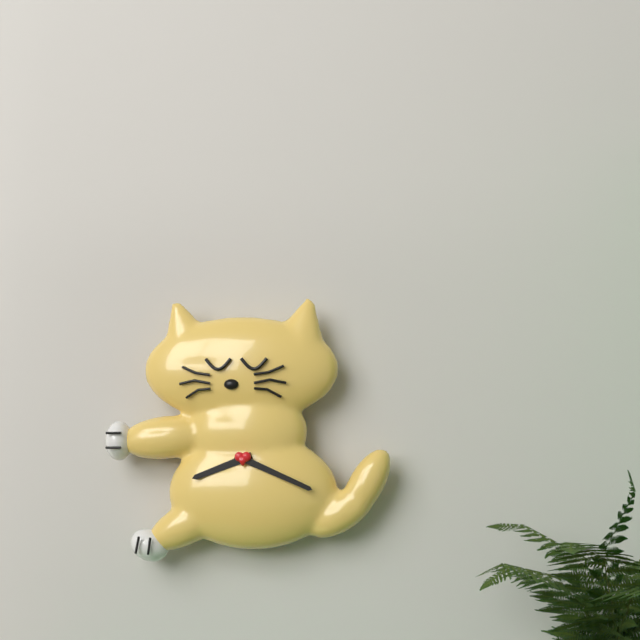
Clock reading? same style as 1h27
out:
8h19
